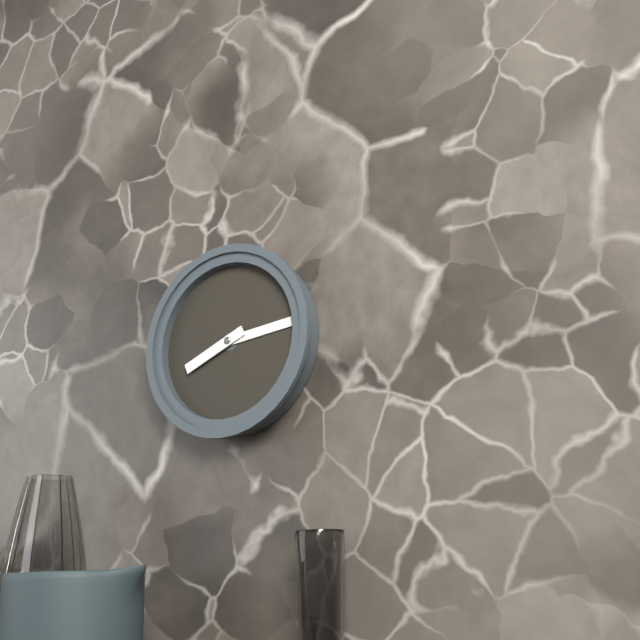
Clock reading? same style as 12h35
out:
8h14
